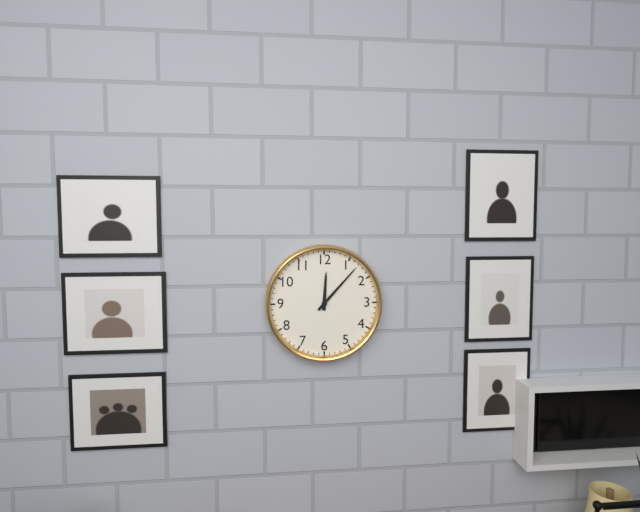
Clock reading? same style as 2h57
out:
12h07
